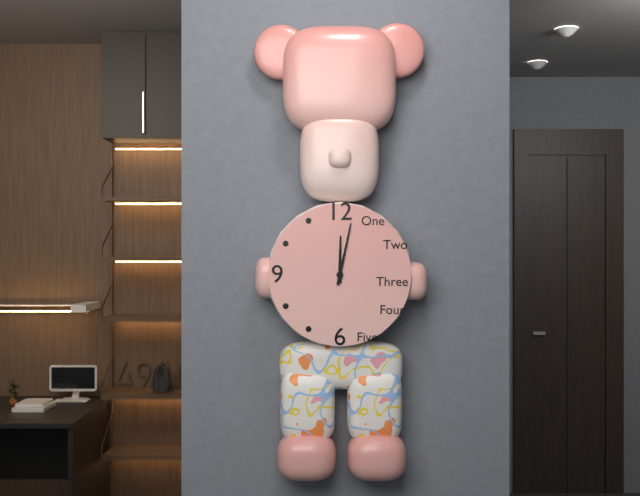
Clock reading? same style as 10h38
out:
12h02
